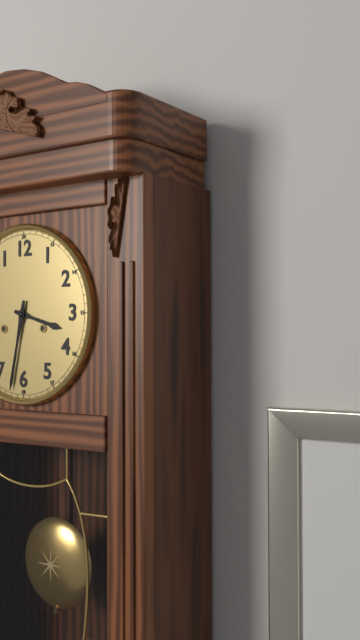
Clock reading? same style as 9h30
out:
3h32
